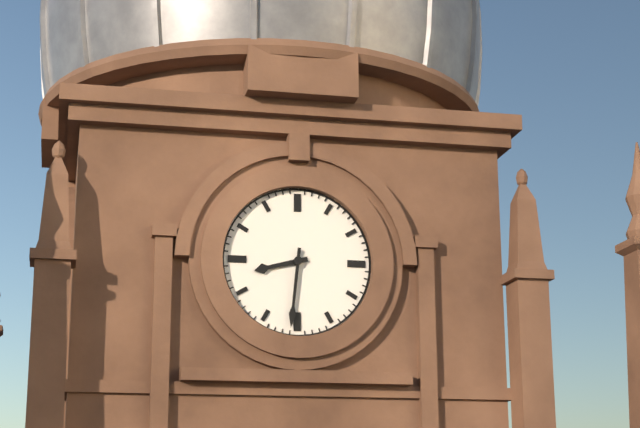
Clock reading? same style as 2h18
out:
8h31
